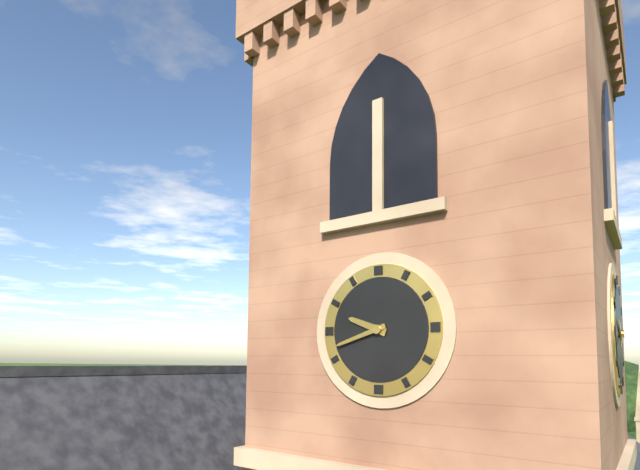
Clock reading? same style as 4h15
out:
9h42
